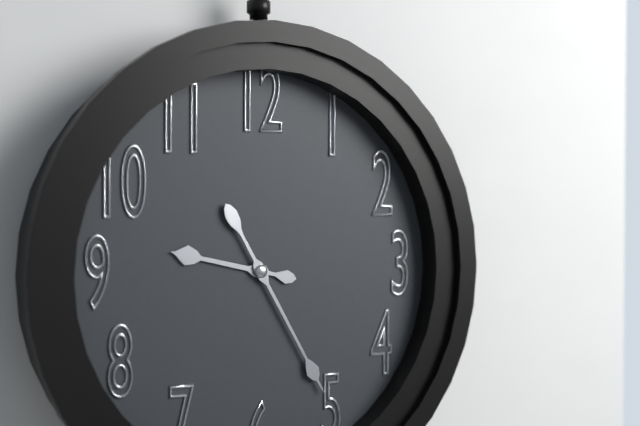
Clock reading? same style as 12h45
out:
9h25
